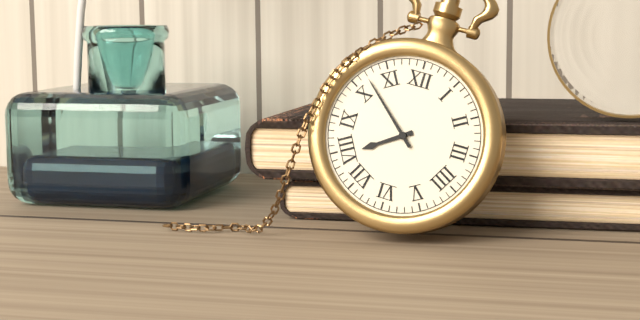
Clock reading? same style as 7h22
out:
7h52
